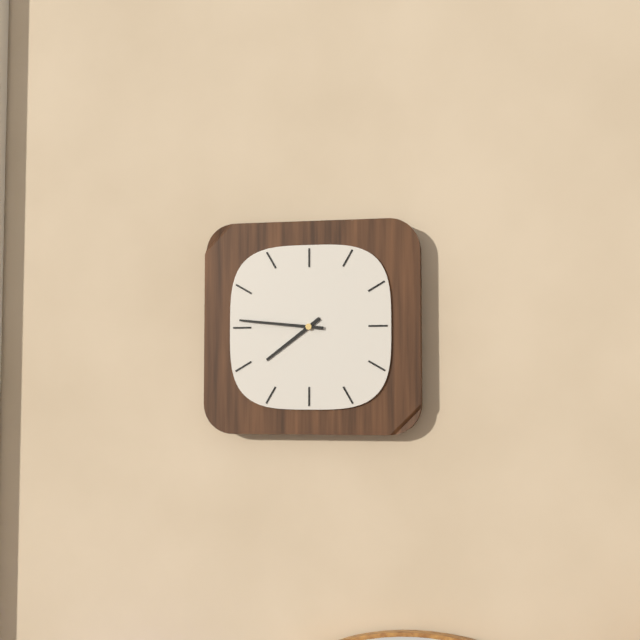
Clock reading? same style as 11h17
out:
7h46
